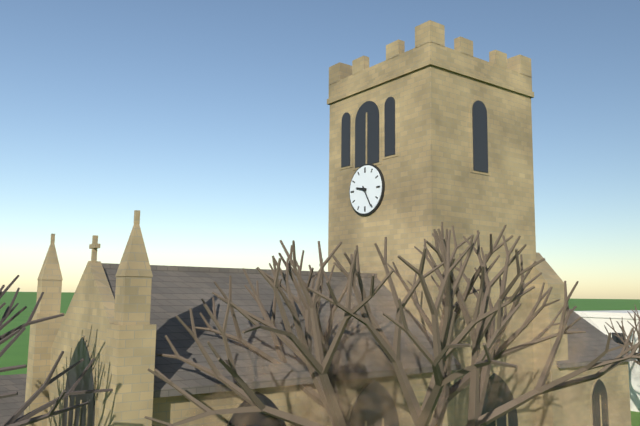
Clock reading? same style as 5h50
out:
9h25
